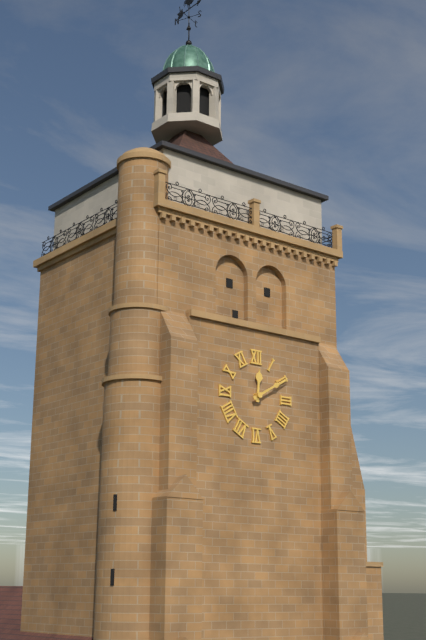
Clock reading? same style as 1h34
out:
12h10
